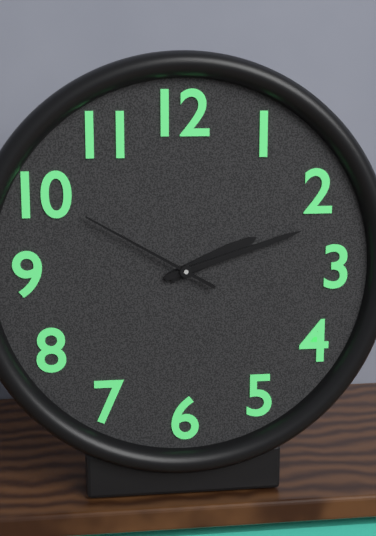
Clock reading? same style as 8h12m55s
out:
2h12m50s
